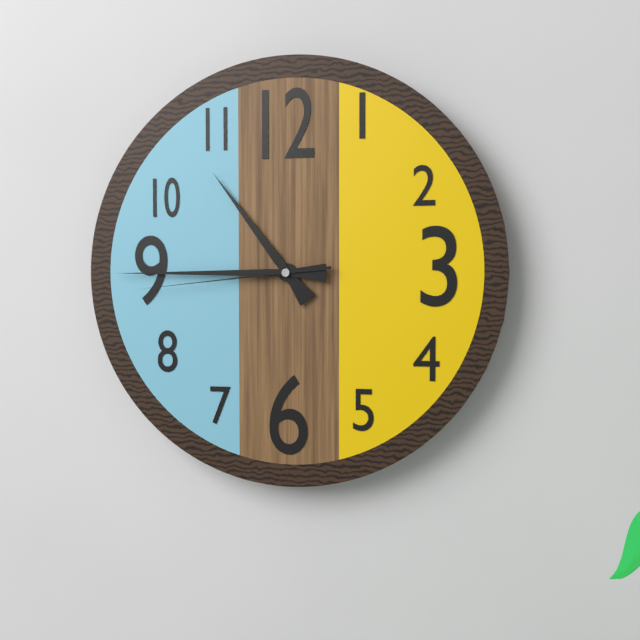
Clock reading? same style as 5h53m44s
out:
10h45m44s
